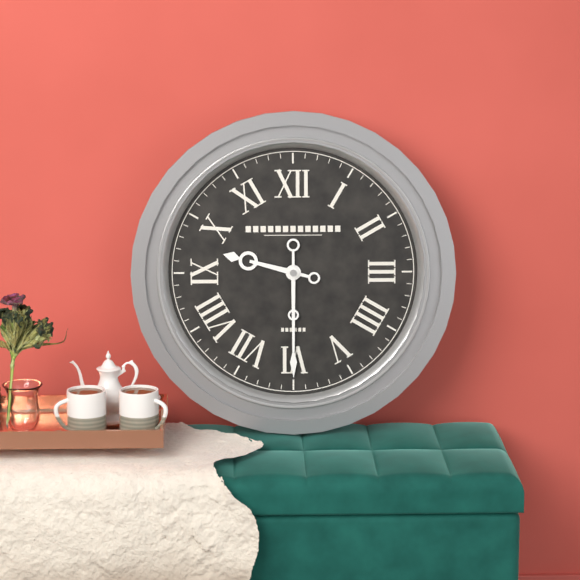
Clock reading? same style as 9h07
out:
9h30
